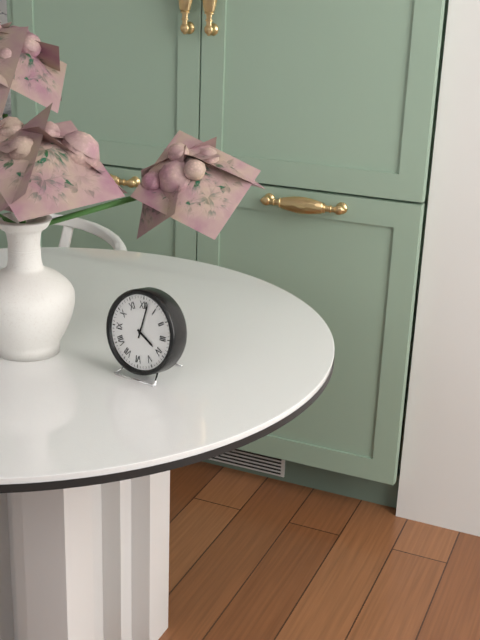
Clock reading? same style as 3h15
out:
4h02
